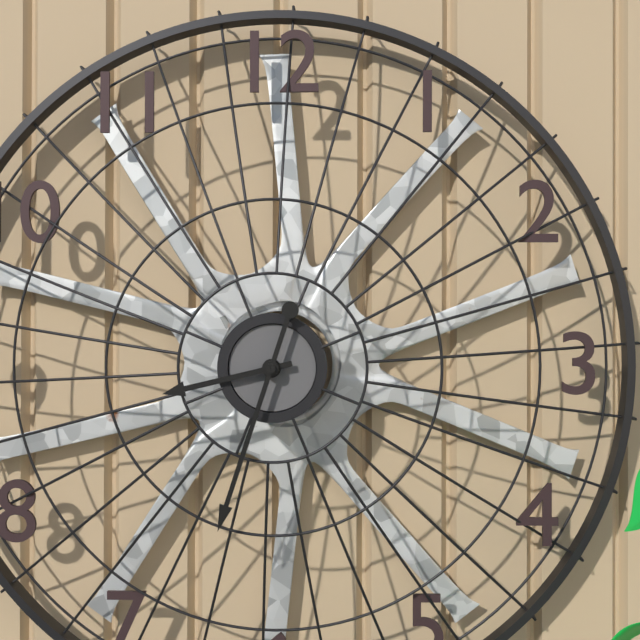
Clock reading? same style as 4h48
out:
8h33
